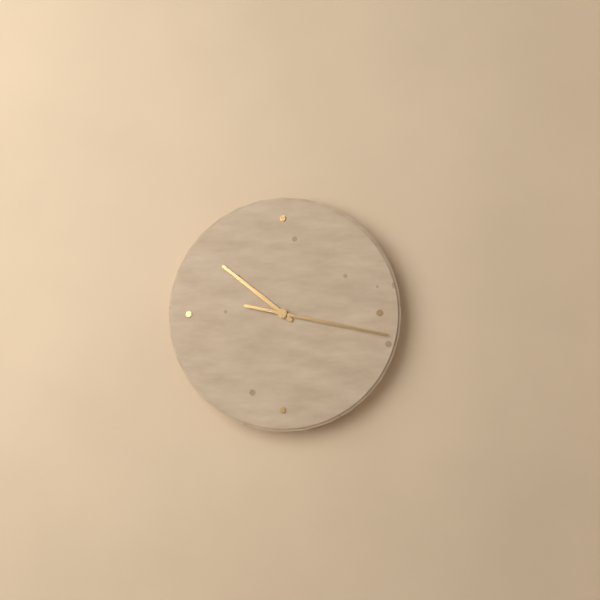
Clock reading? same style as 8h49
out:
10h17
